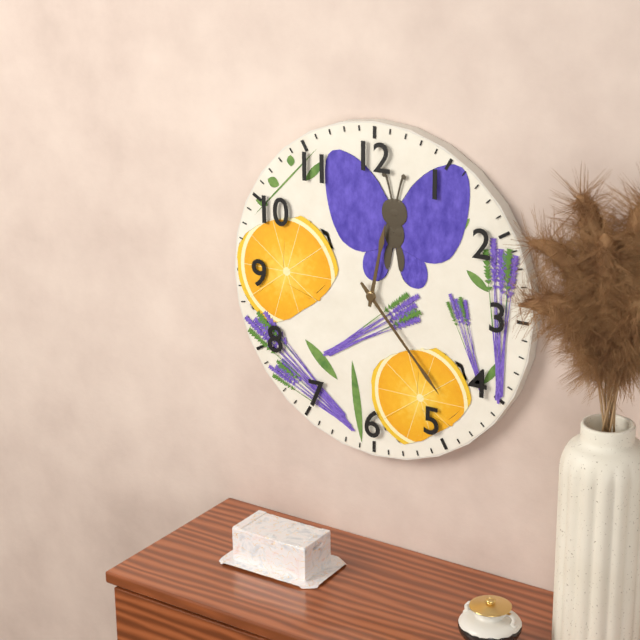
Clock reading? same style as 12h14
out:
12h23
